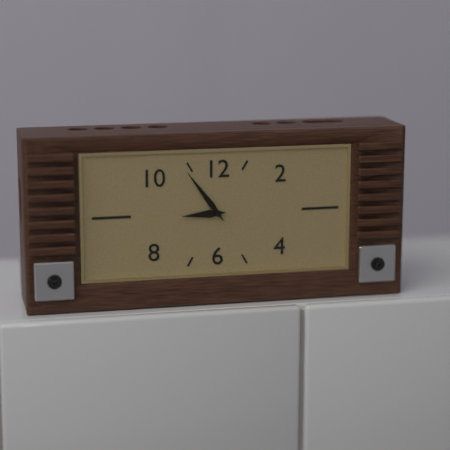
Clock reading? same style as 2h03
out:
8h54
